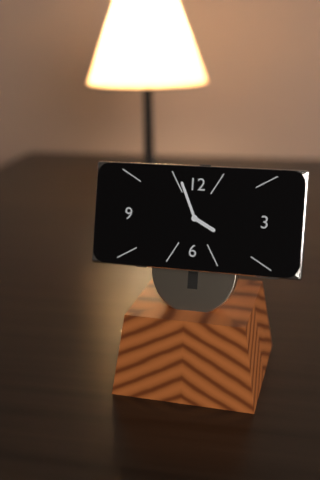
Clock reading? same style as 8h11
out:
3h56
